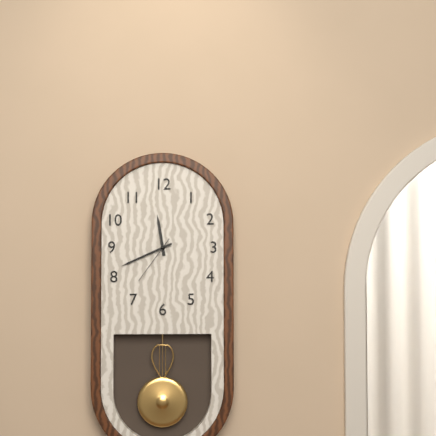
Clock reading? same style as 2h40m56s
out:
11h41m36s
